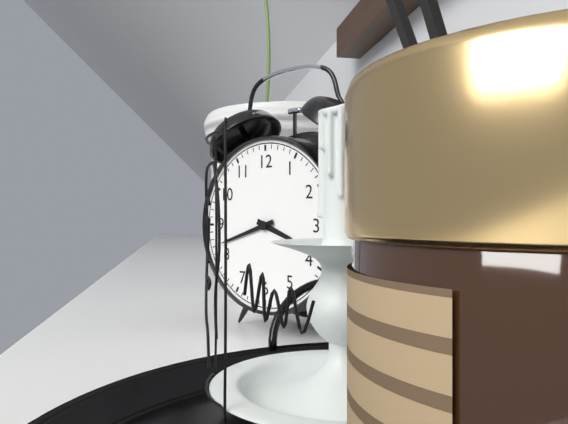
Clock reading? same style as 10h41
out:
3h42
